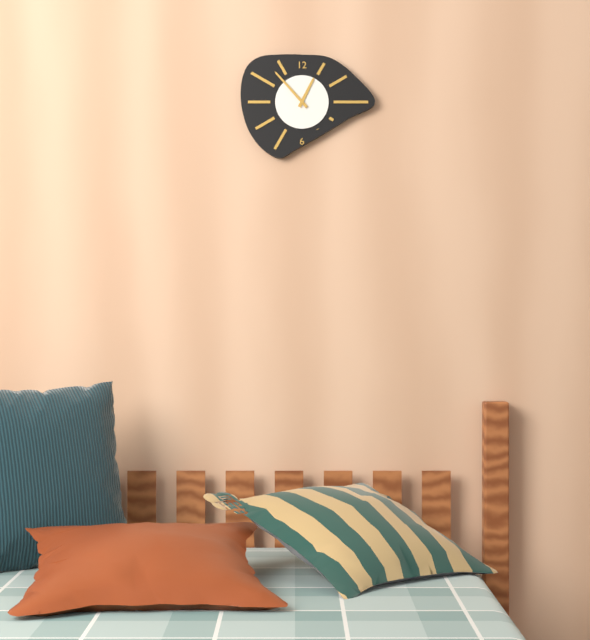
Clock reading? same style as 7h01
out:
12h53
